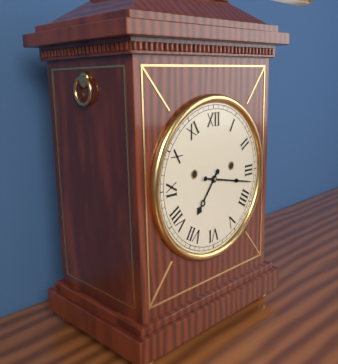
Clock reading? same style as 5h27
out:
7h17
